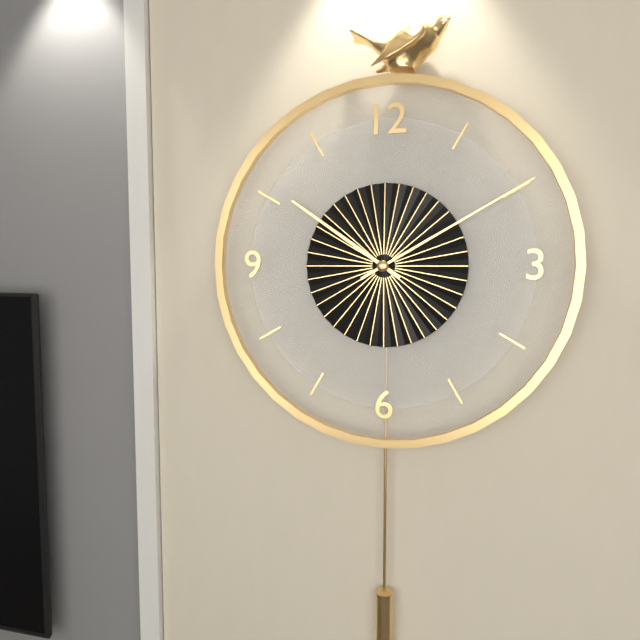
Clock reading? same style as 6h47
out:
10h10
